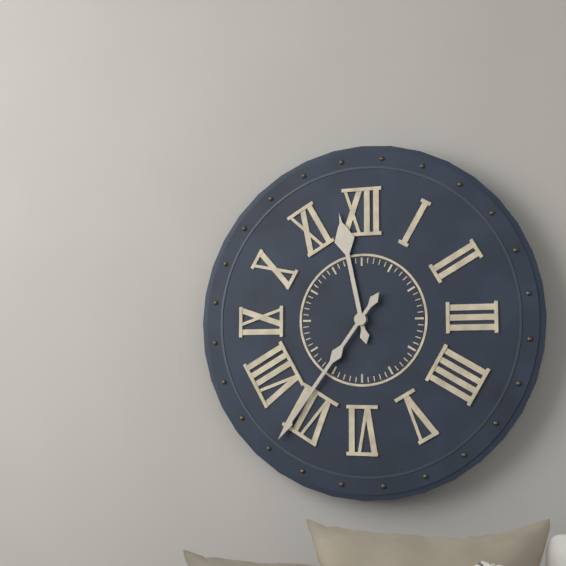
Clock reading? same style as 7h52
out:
11h36
